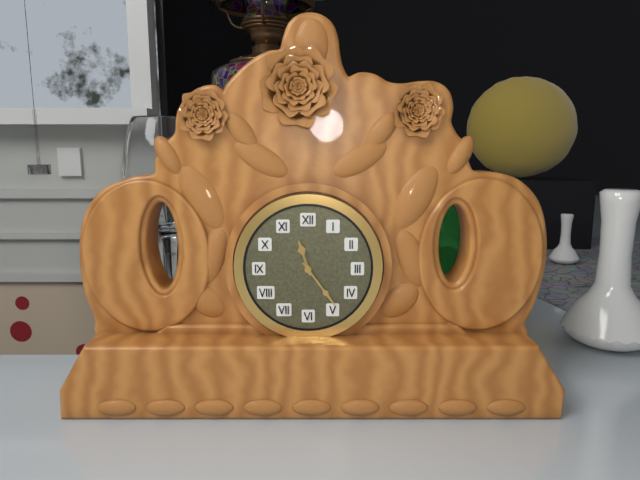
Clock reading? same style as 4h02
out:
11h24
